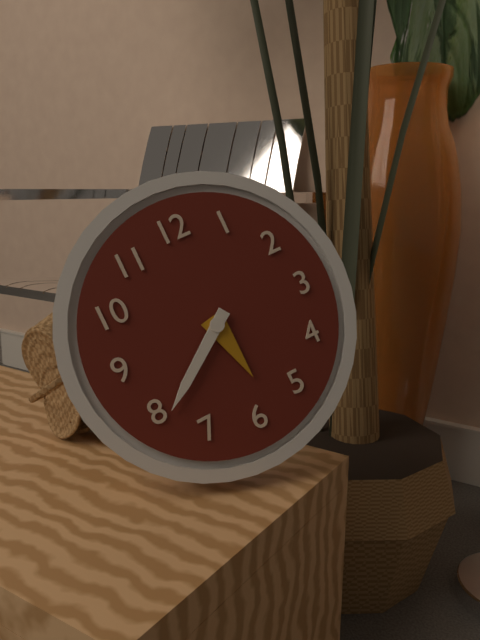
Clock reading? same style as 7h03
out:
5h39
